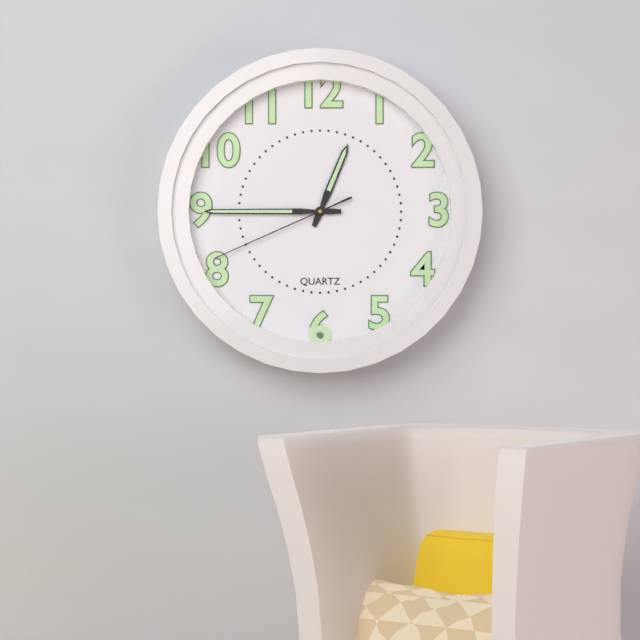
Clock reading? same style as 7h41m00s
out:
12h45m41s
